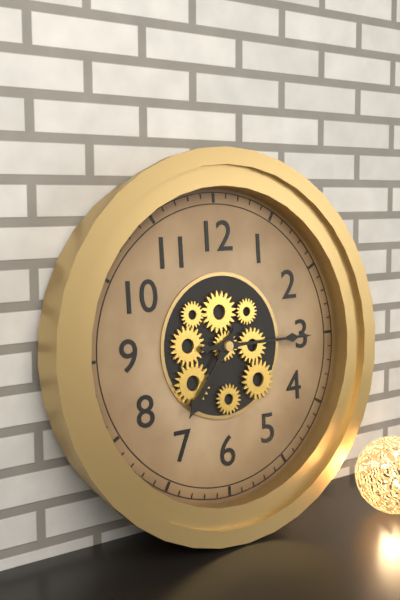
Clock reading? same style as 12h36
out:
7h15
